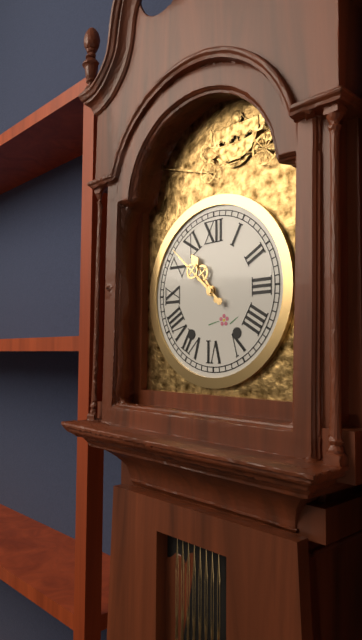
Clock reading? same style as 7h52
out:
10h52
